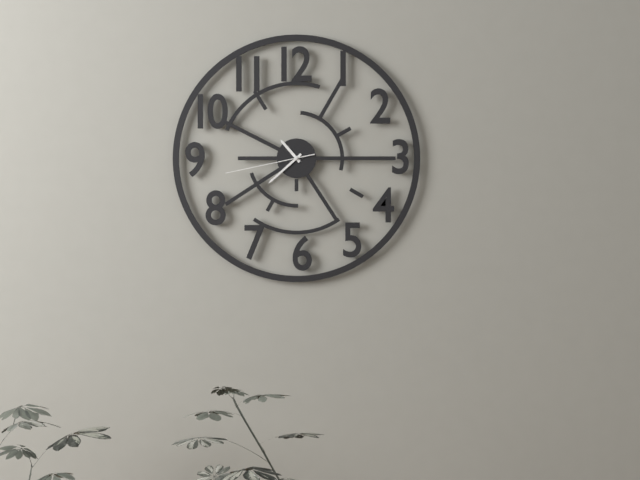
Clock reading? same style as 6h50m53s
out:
10h38m43s
